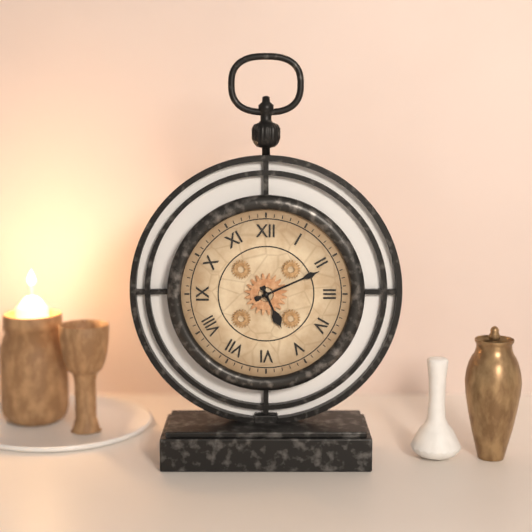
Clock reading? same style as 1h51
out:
5h11
